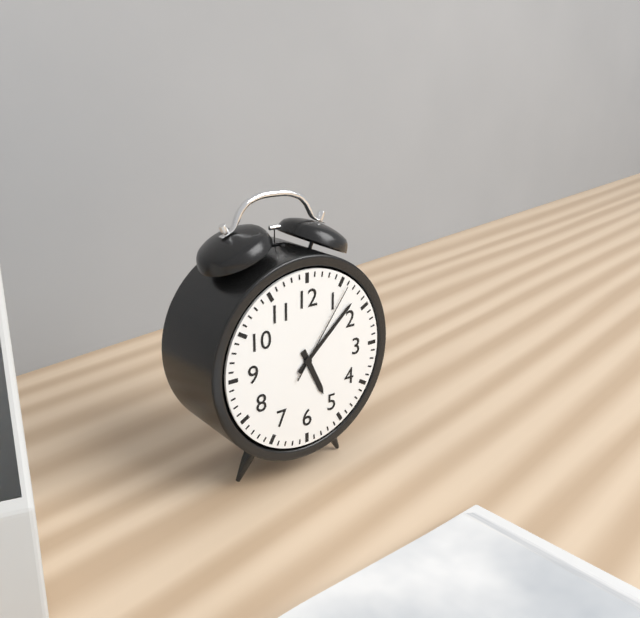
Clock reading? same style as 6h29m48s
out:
5h08m06s
